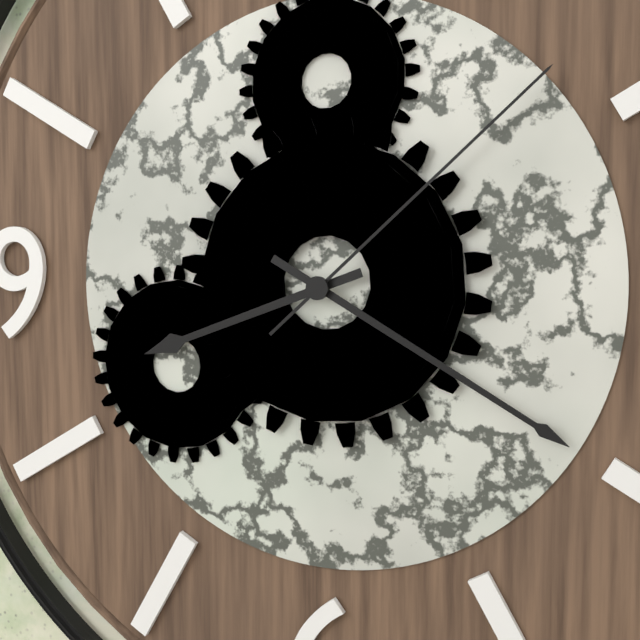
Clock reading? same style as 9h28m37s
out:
8h20m08s
